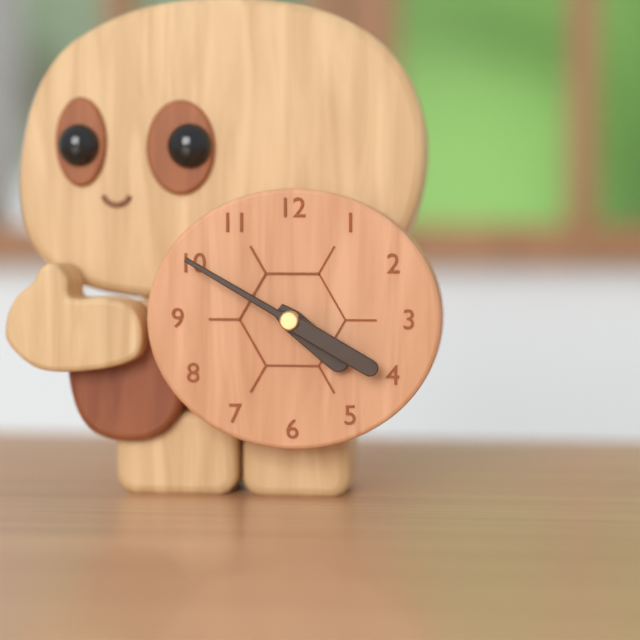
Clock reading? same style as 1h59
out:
4h20
